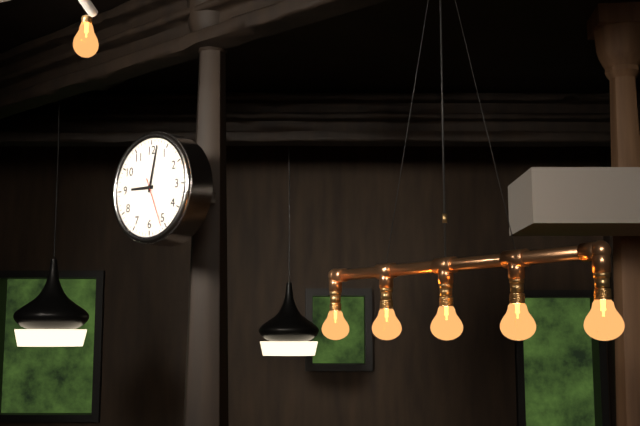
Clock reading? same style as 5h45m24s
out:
9h02m26s
